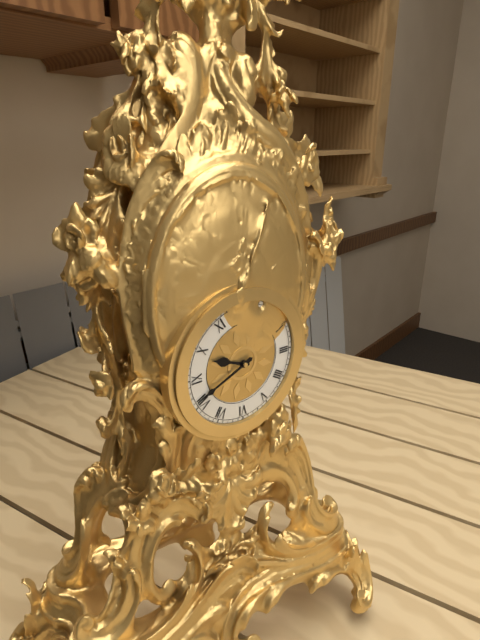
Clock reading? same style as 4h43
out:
9h41
